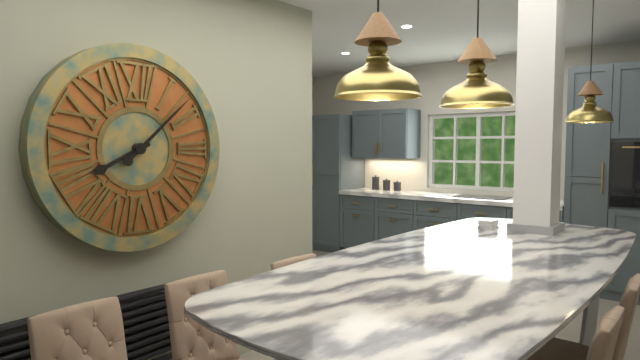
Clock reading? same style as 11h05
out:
8h08
